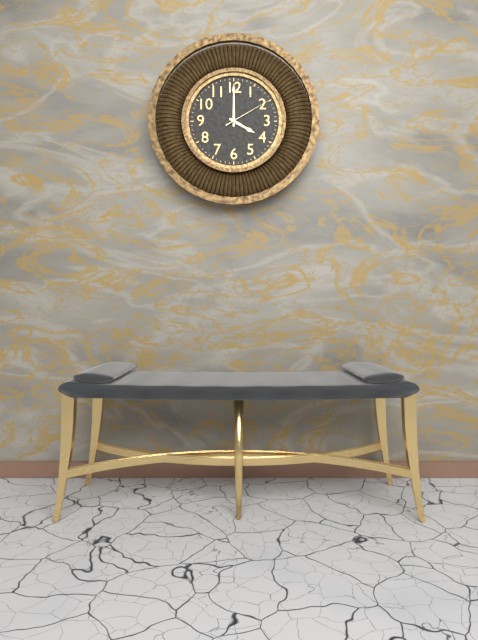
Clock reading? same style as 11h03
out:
4h00
